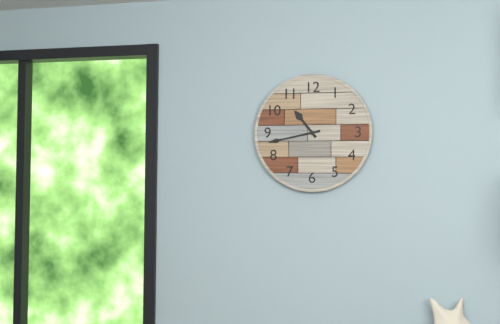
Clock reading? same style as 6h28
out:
10h43
